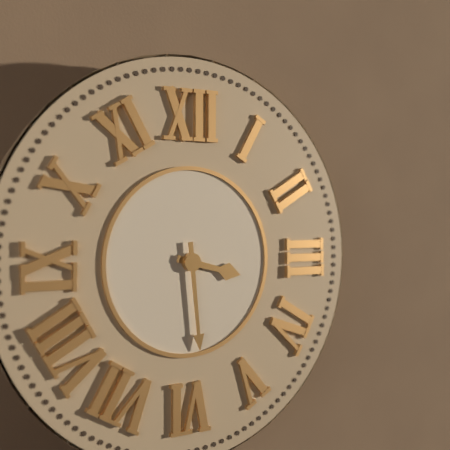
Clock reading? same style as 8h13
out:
3h29
